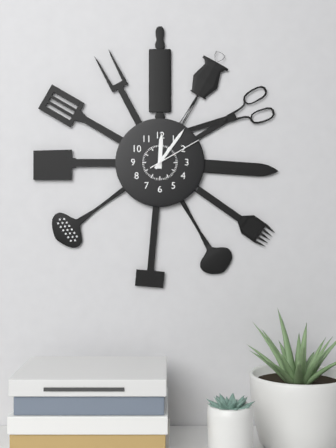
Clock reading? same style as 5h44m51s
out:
12h06m10s
